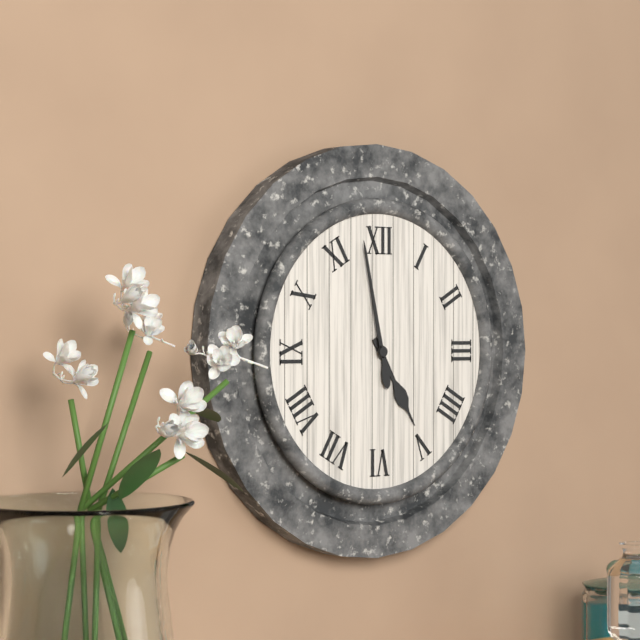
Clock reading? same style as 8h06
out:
4h58
